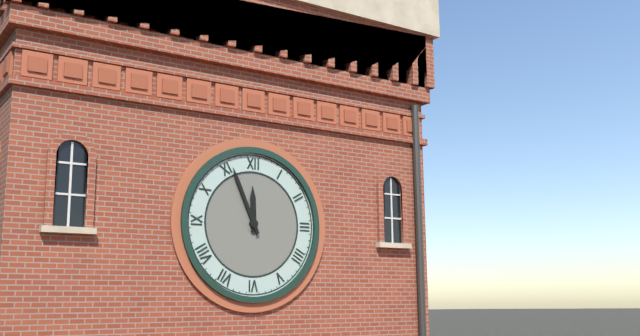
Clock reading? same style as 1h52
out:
11h56
